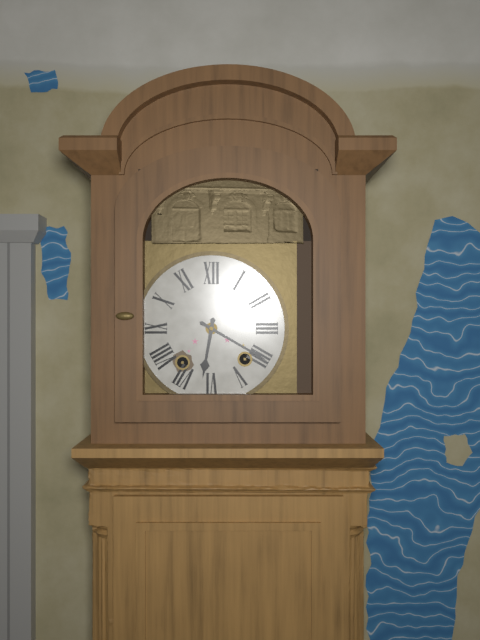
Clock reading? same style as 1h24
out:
6h20
